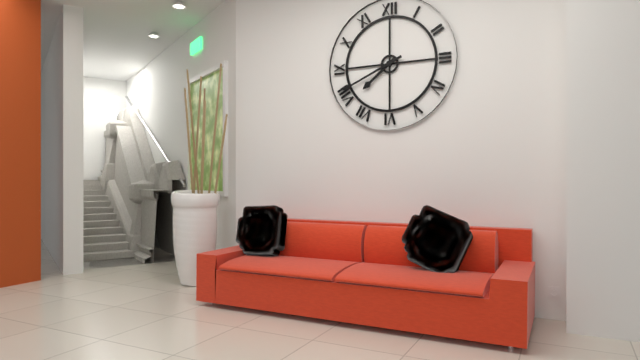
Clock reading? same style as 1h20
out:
7h41
